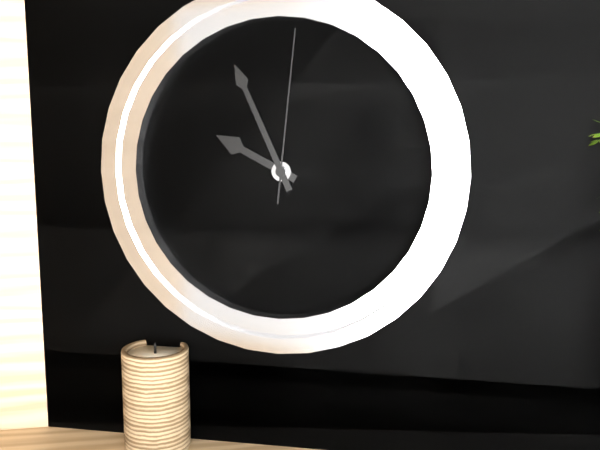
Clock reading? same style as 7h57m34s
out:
9h56m01s
